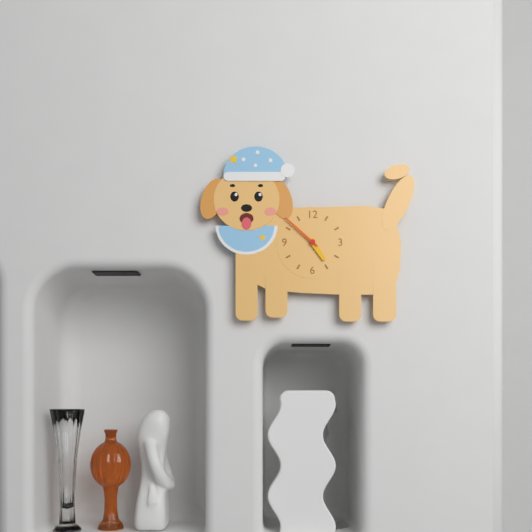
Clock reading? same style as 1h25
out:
4h52
